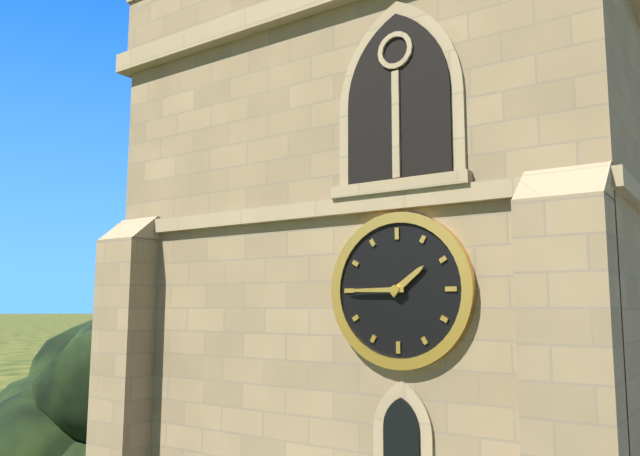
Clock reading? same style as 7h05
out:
1h45
